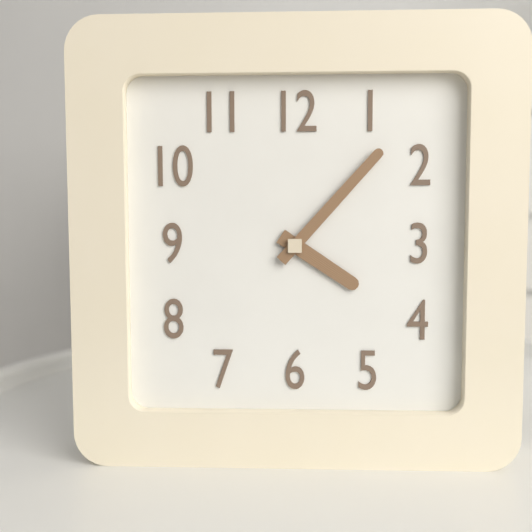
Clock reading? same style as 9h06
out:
4h07
